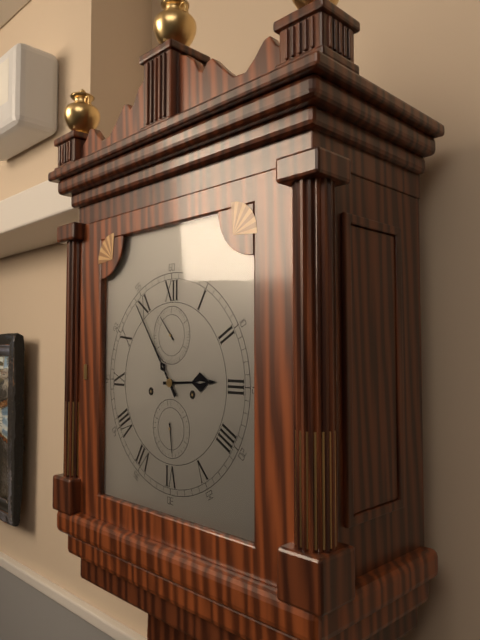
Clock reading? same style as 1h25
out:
2h54
